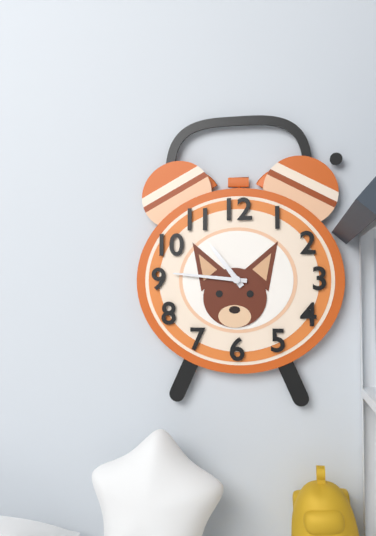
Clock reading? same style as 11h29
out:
10h46
